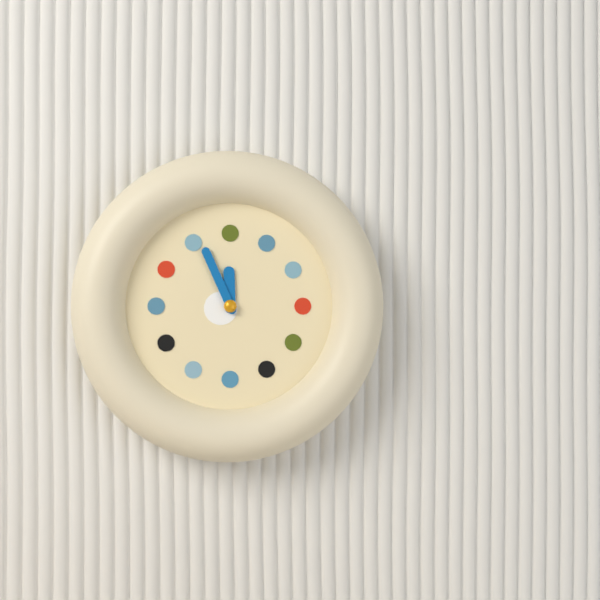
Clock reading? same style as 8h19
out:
11h56
